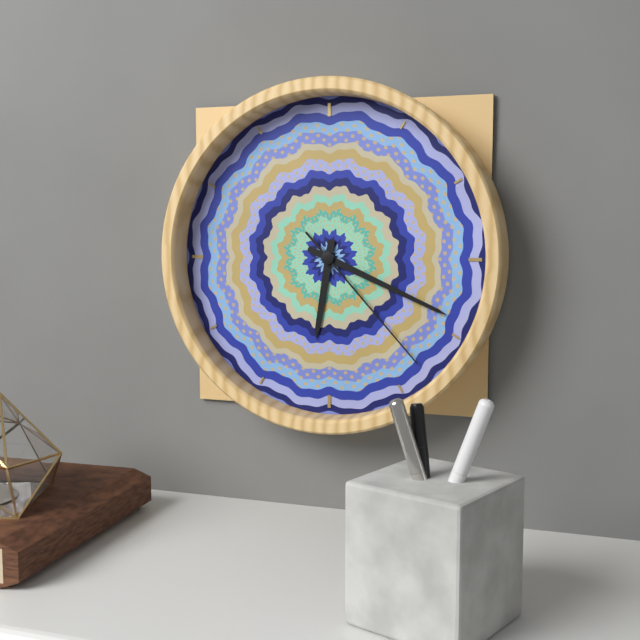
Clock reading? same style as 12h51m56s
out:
6h19m23s
